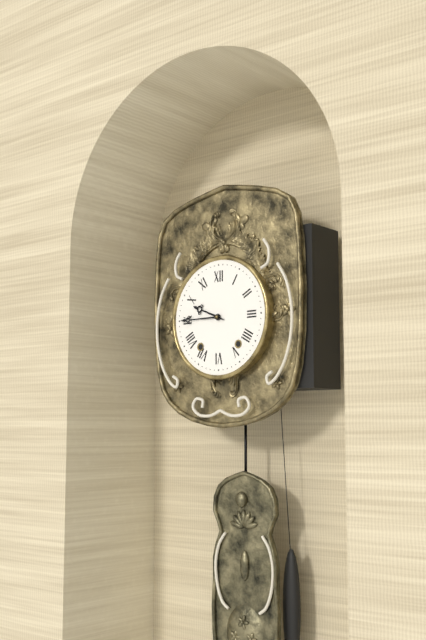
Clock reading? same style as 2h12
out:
9h45
